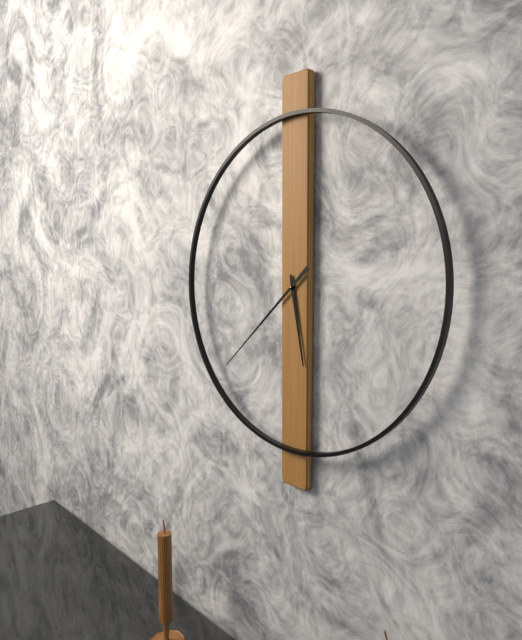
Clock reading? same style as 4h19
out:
5h38
